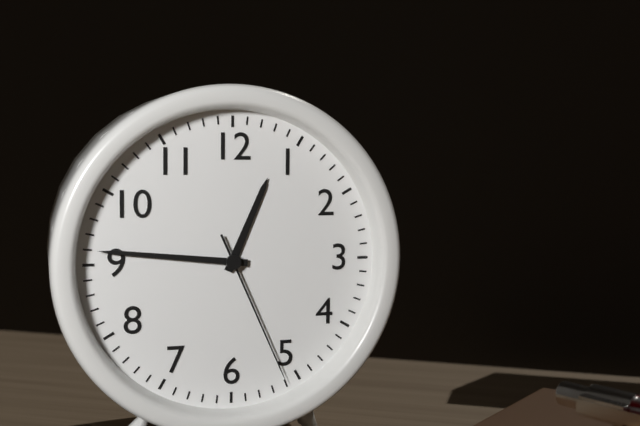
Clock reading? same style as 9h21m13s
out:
12h46m26s
